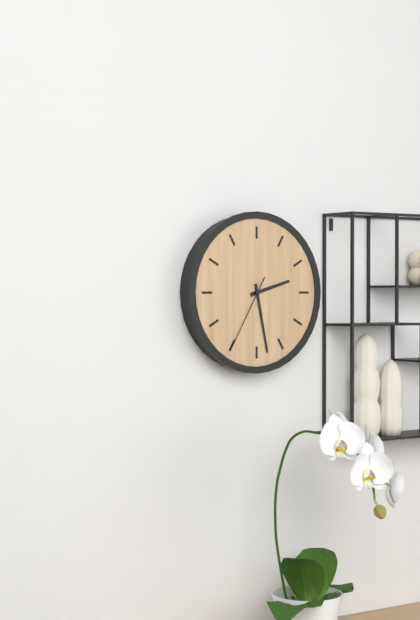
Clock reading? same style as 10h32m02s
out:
2h28m35s
